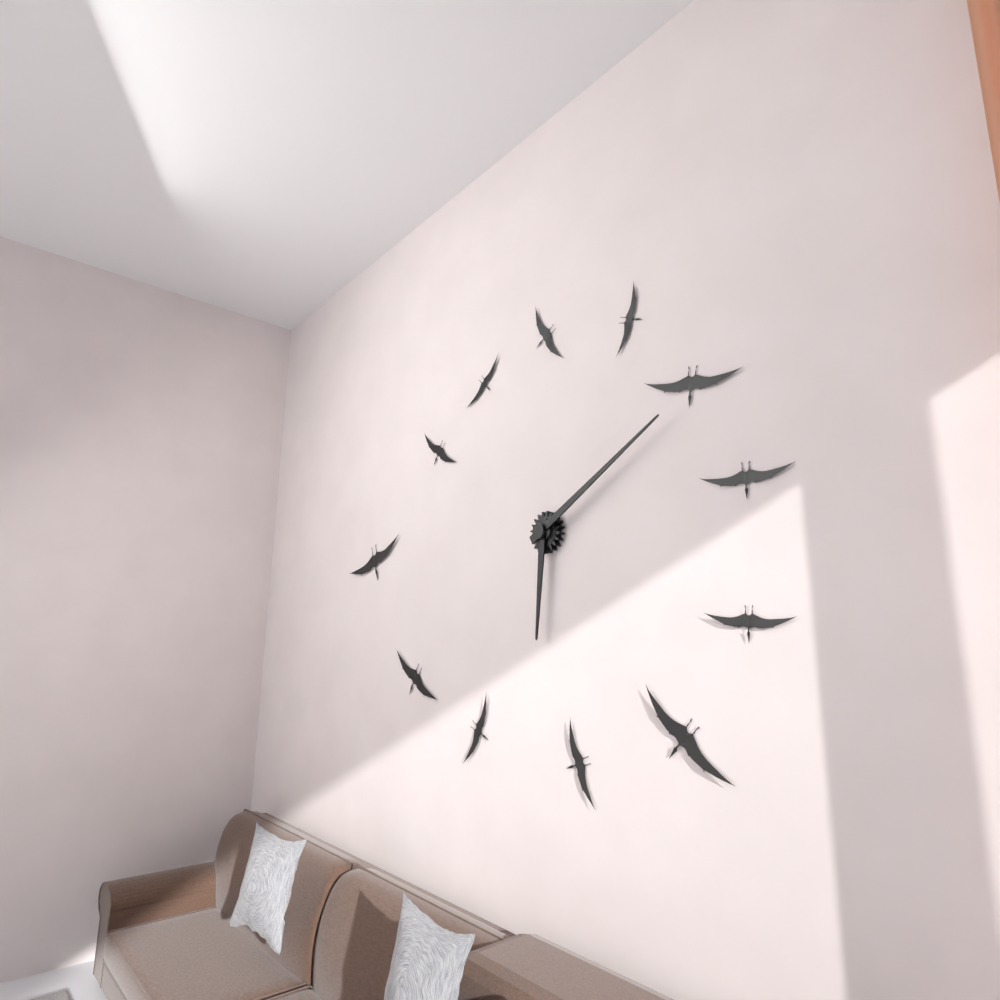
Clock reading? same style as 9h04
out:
6h10
